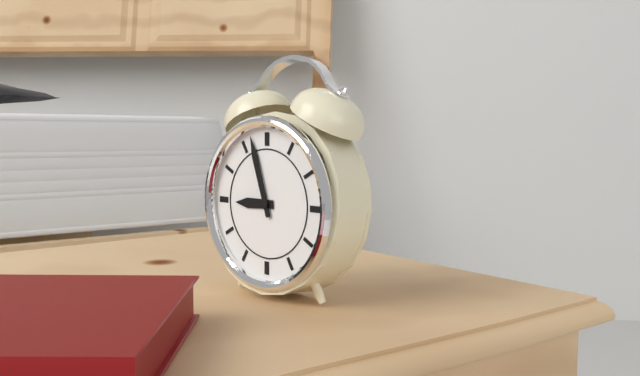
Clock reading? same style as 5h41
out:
8h57
